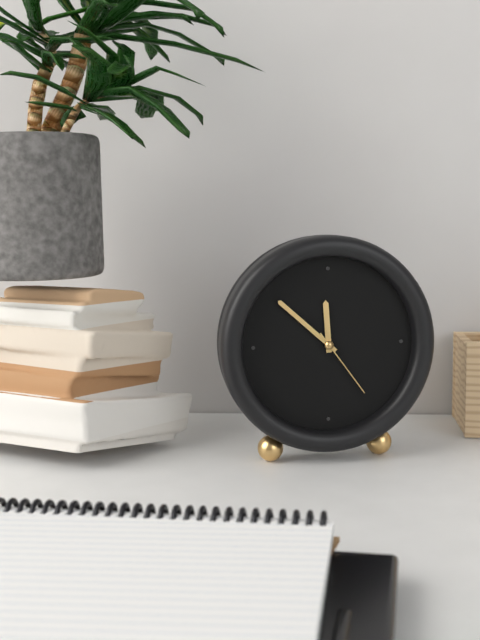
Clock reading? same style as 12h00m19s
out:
11h52m24s
